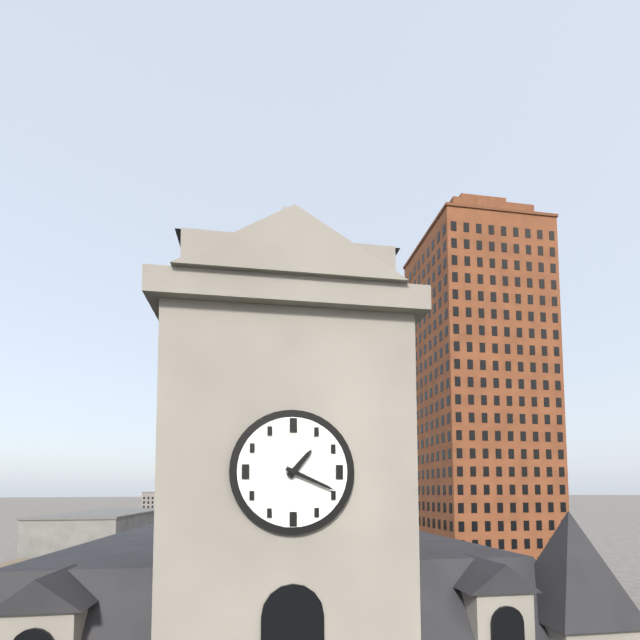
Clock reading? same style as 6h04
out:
1h19
